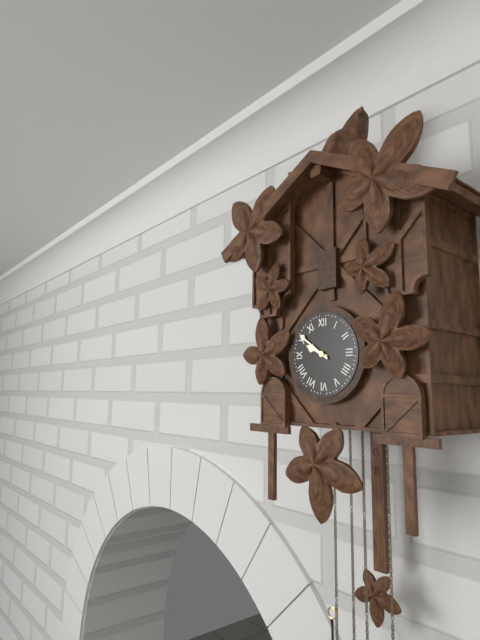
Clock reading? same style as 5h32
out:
9h51
